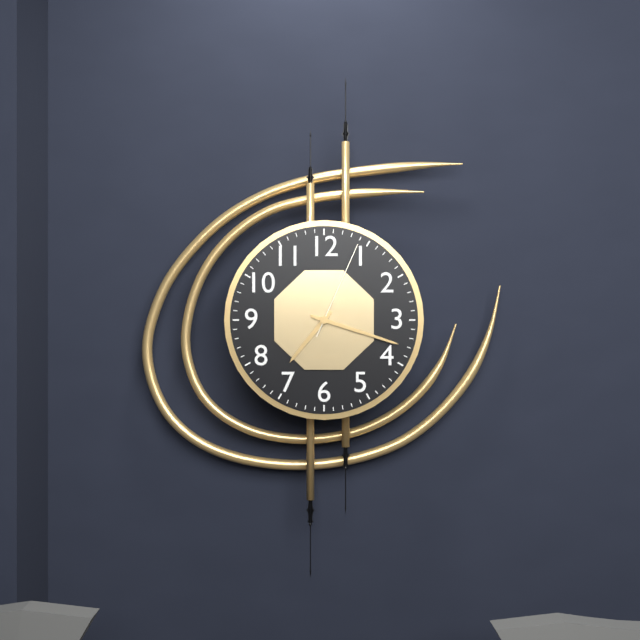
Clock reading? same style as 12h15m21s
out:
7h18m04s
